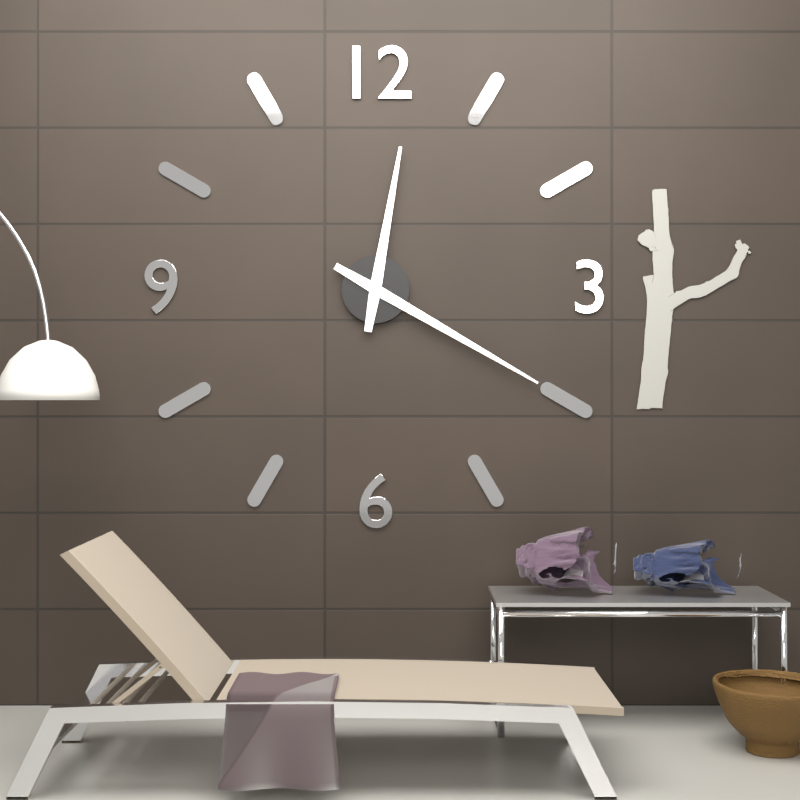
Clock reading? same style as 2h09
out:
12h20
